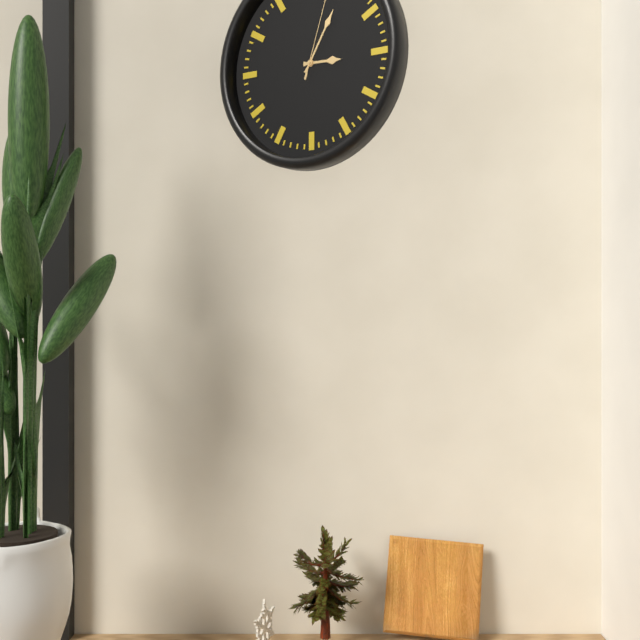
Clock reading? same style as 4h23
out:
3h05
